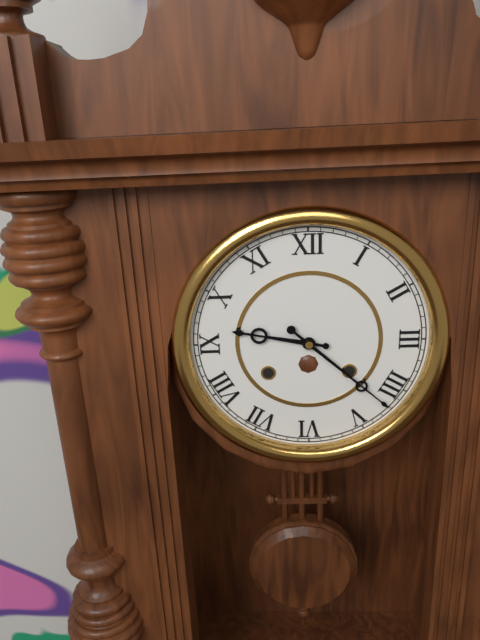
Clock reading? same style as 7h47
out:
9h22
